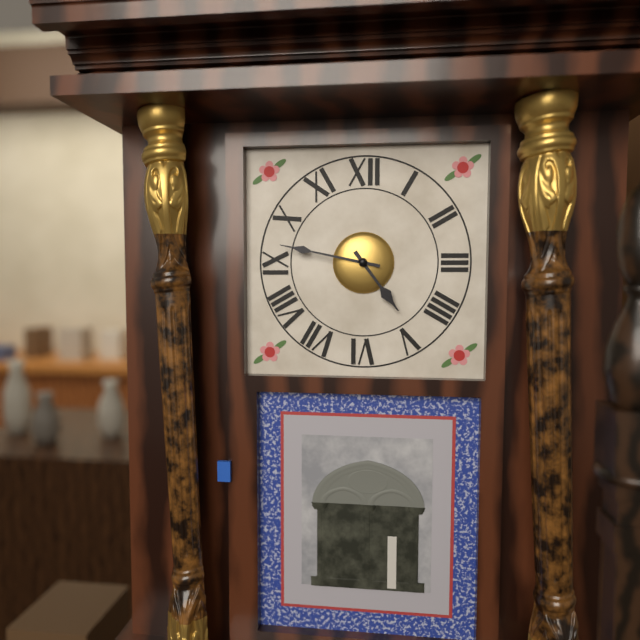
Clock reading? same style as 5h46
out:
4h47
